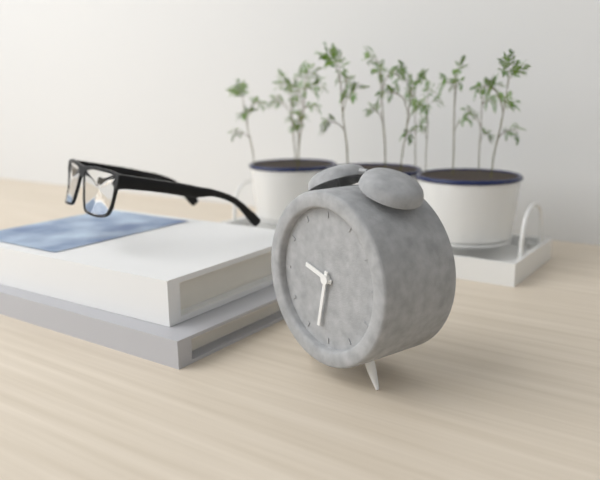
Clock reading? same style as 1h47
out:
9h32
